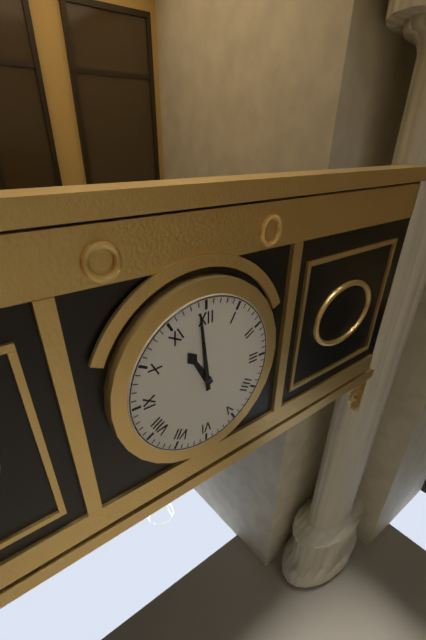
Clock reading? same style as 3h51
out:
10h59
